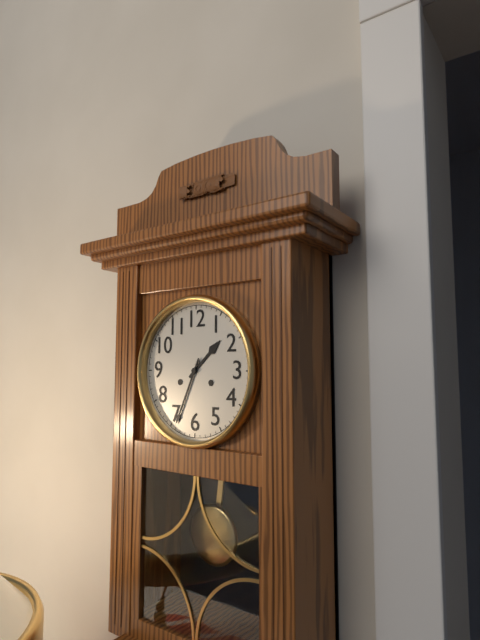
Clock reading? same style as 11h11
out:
1h34
